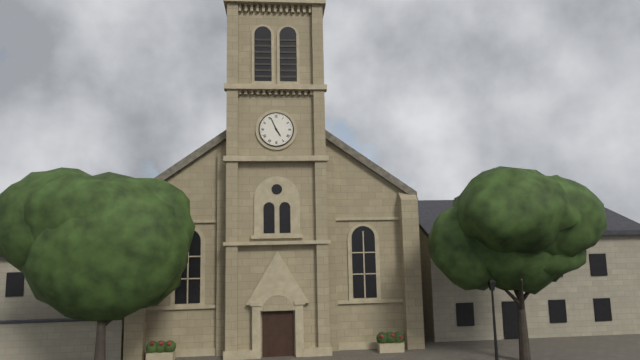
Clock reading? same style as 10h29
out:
4h56
